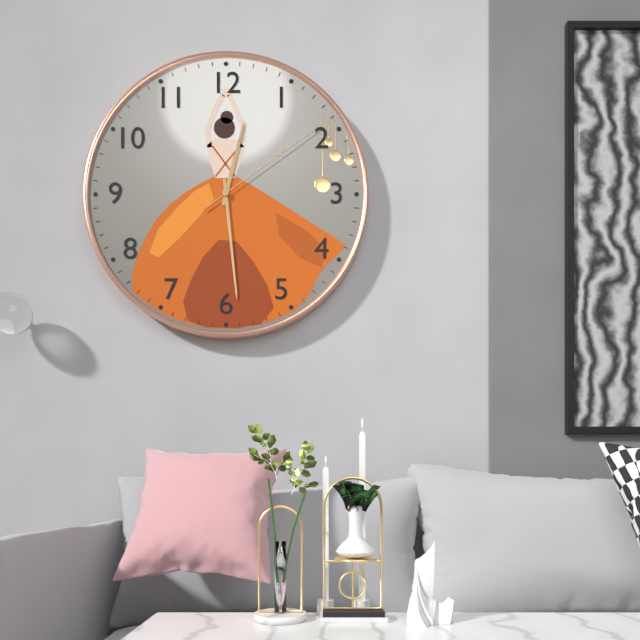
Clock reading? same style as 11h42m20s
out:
12h29m09s
